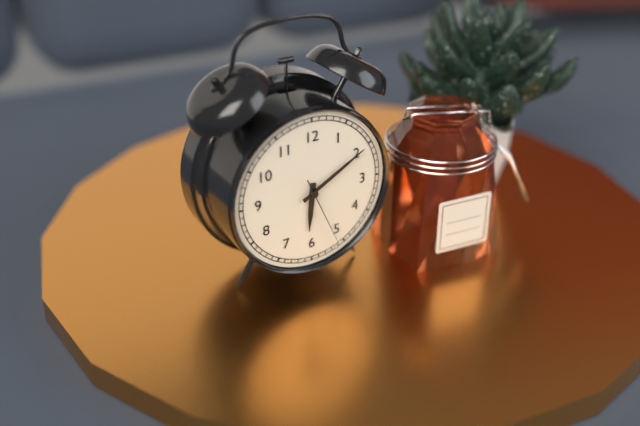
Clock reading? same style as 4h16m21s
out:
6h10m26s
